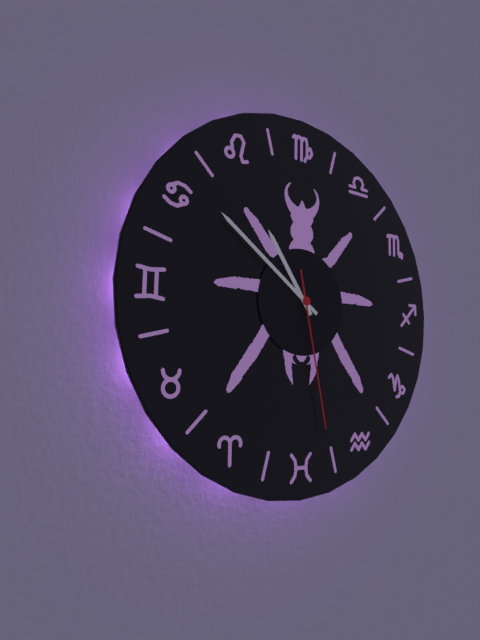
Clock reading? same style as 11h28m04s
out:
10h51m28s
